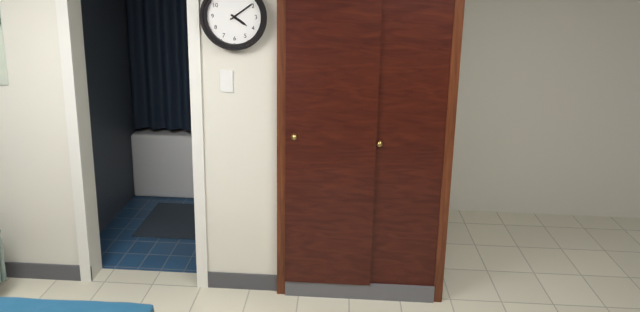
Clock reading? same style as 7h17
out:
4h09
